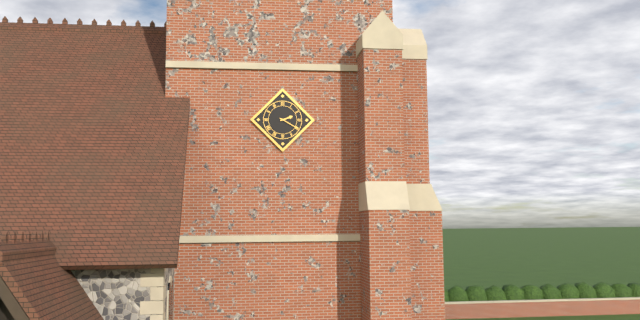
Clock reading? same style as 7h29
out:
2h20
